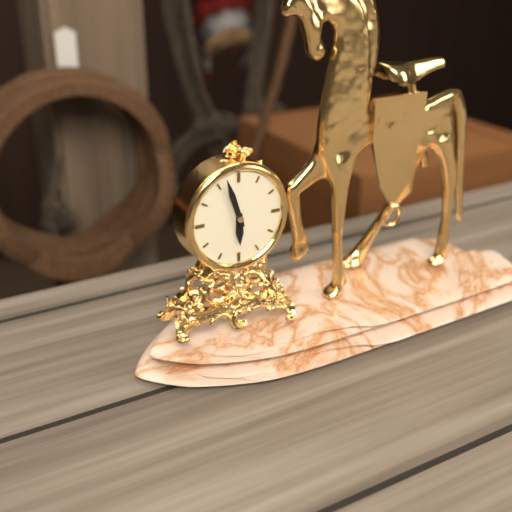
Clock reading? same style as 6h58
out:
5h57
